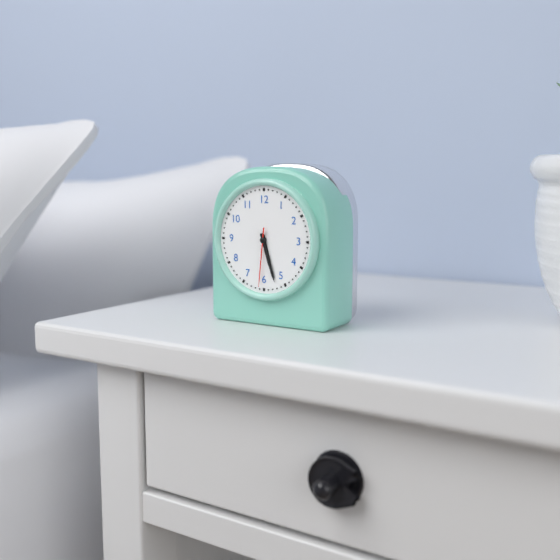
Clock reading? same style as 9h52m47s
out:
5h27m31s
